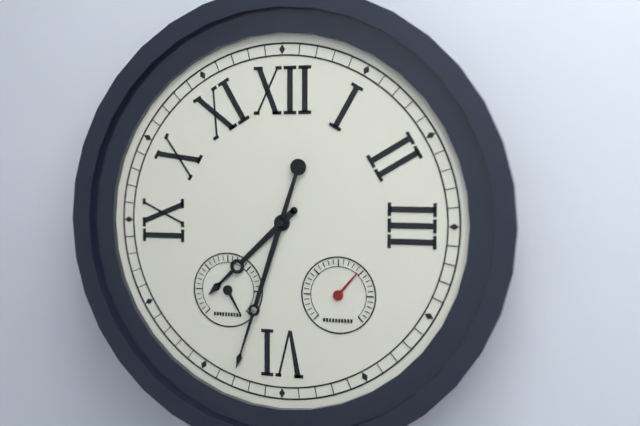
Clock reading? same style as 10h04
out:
7h33
